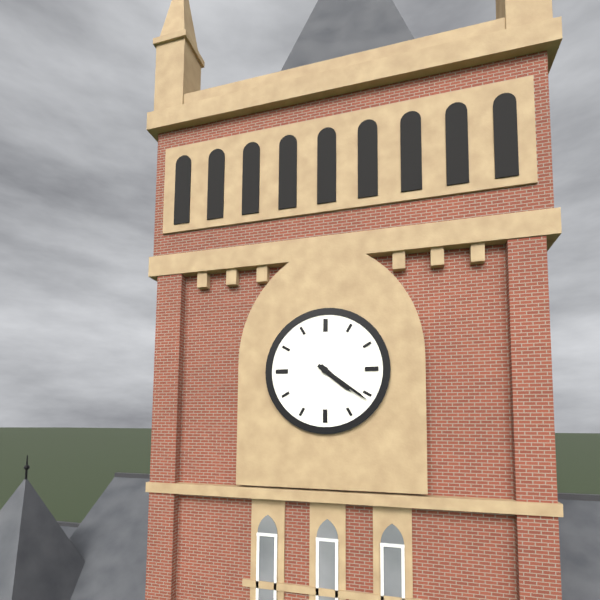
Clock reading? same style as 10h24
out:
4h21
